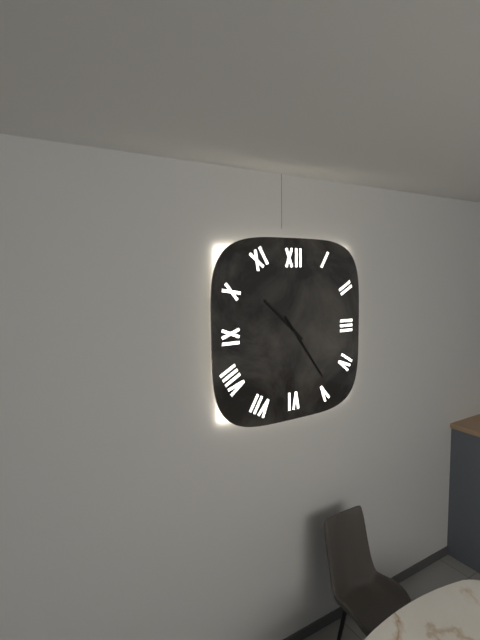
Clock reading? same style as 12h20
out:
10h24
